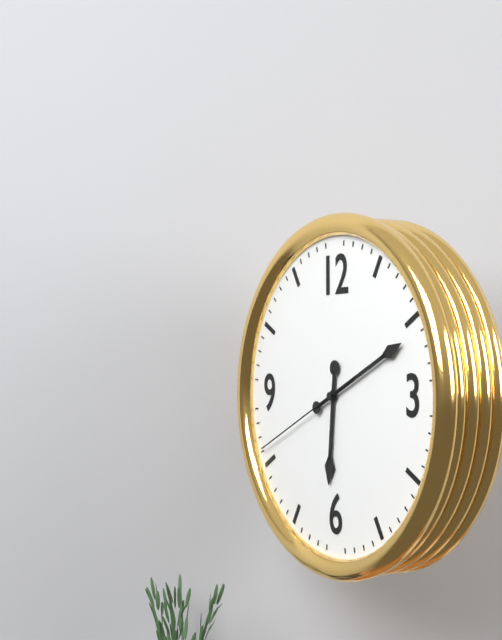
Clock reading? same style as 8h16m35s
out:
6h11m41s
